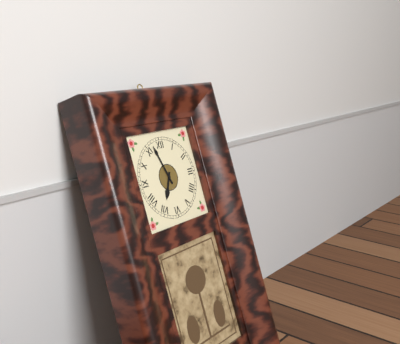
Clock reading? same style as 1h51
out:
6h57
